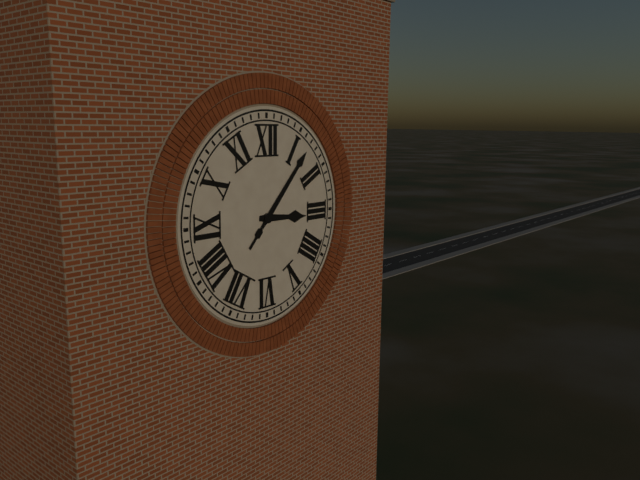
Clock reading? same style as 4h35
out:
3h07
